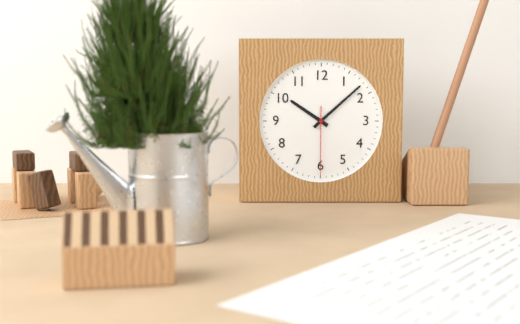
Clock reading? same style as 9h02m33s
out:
10h08m30s
